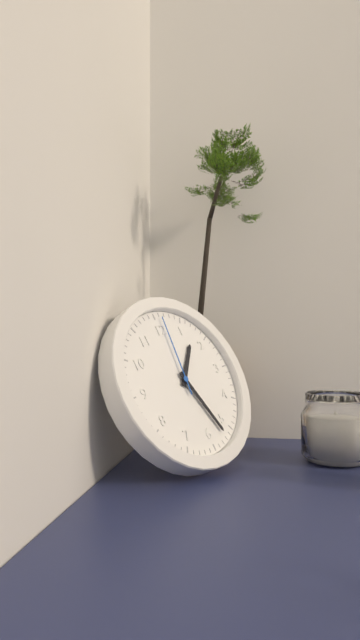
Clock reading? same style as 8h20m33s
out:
1h27m01s
